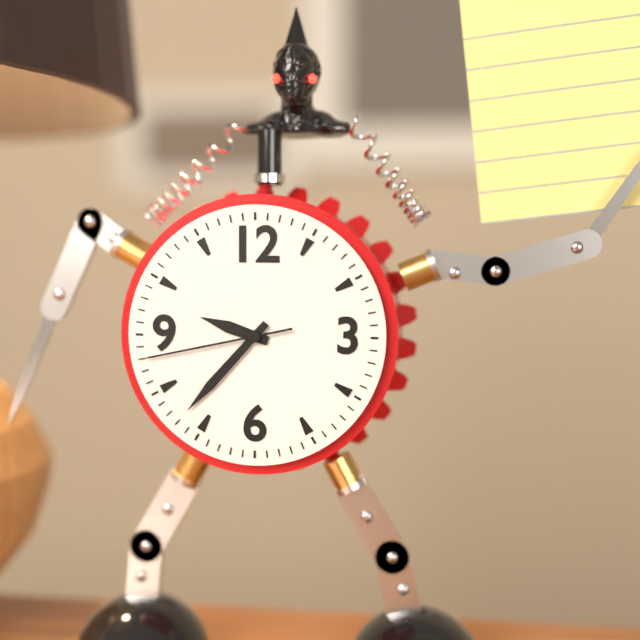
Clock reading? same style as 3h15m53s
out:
9h37m43s
